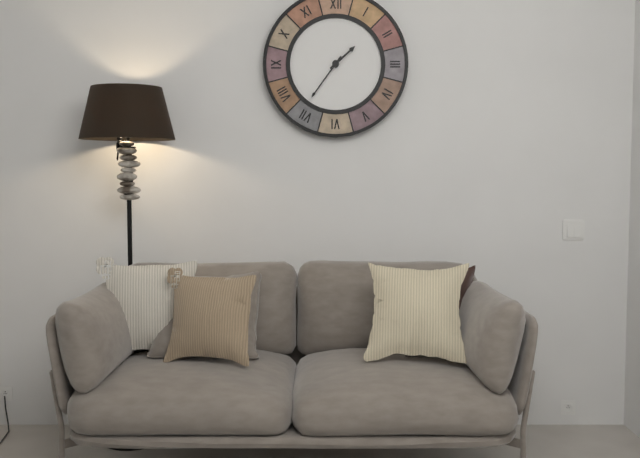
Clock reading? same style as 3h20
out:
1h36
